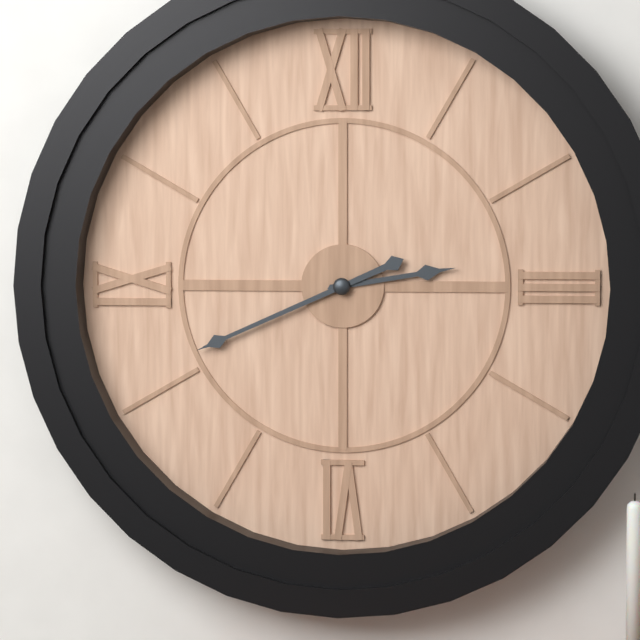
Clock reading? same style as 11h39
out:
2h41
